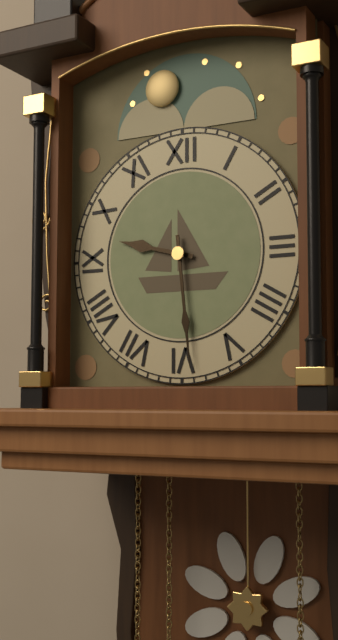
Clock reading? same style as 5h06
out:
9h29
